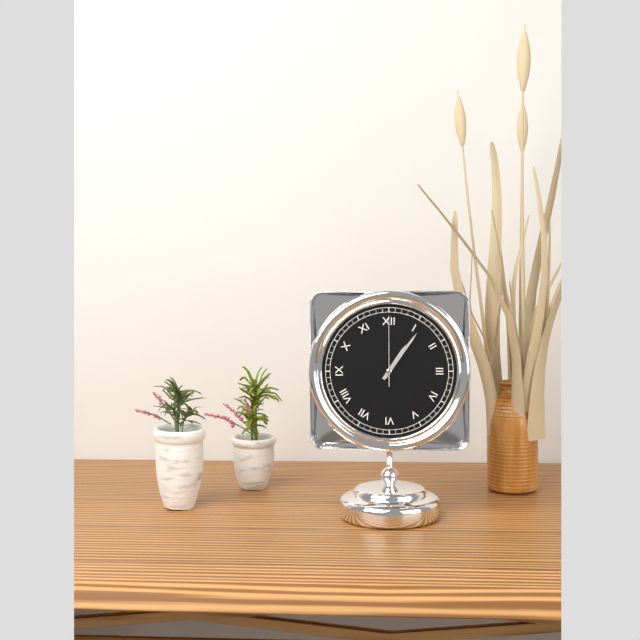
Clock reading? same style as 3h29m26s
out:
1h06m00s
